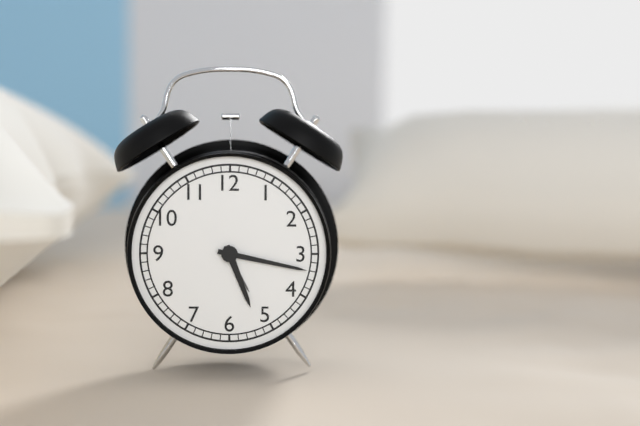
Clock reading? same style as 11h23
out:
5h17
